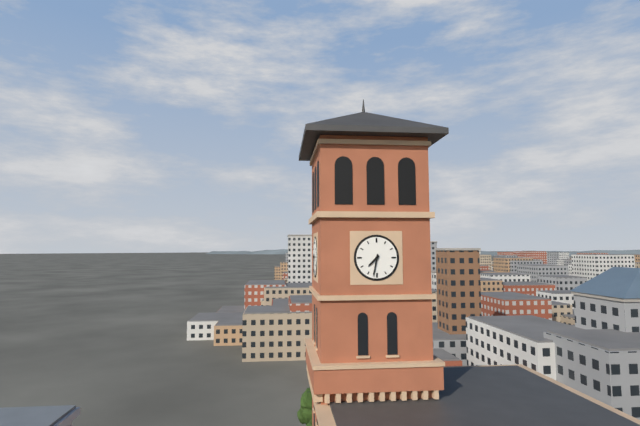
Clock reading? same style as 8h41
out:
7h32
